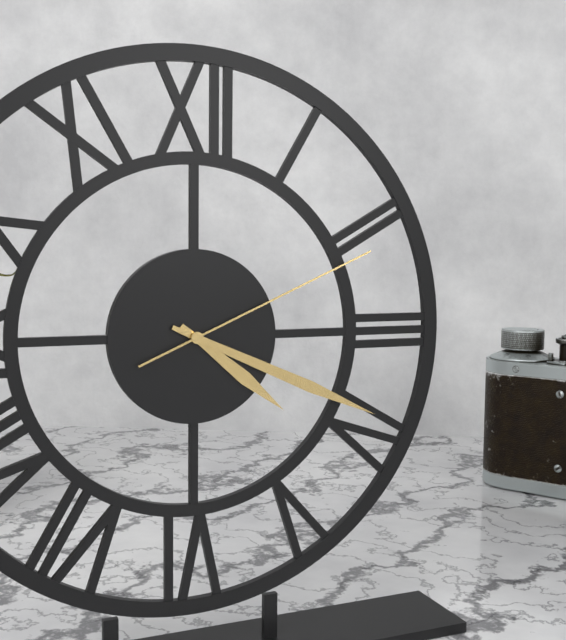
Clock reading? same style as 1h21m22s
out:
4h19m11s
